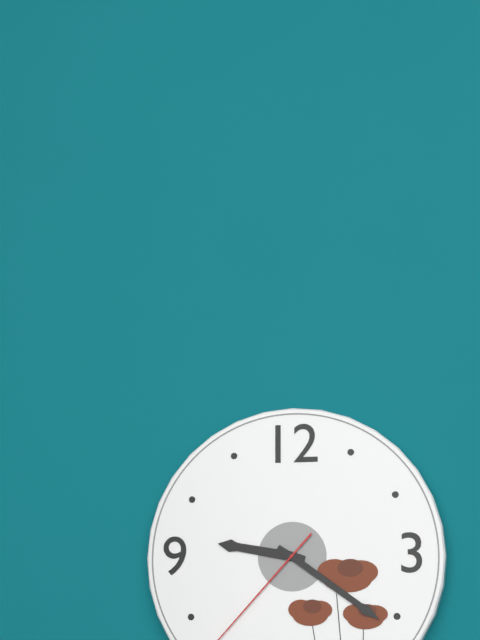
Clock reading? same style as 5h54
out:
9h21
